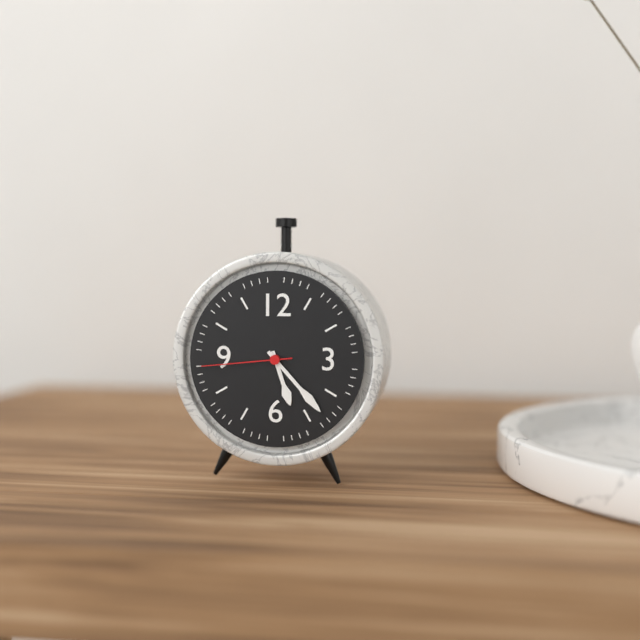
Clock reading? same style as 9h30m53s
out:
5h23m44s
